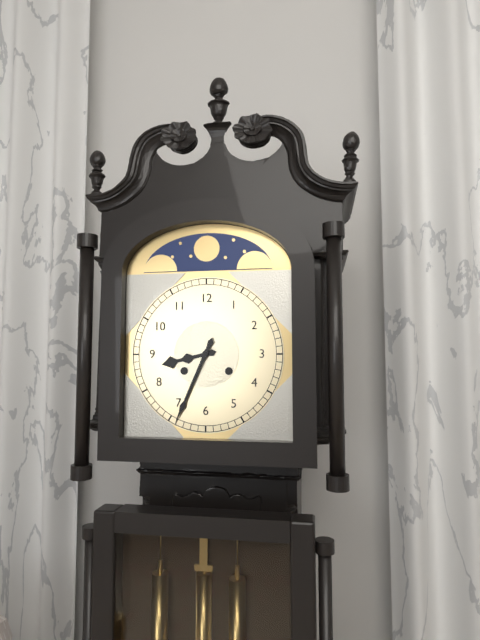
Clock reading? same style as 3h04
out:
8h34
